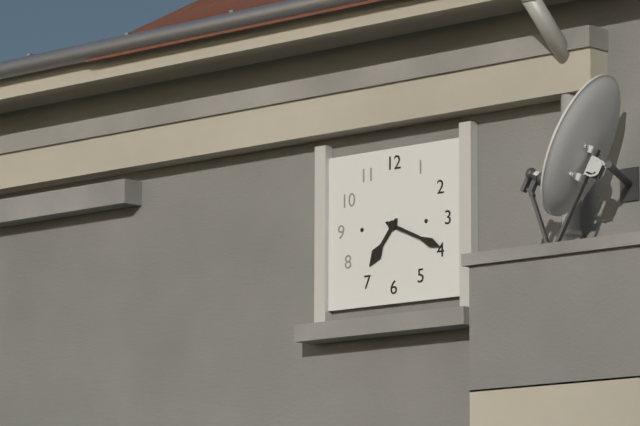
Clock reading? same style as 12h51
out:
7h19
